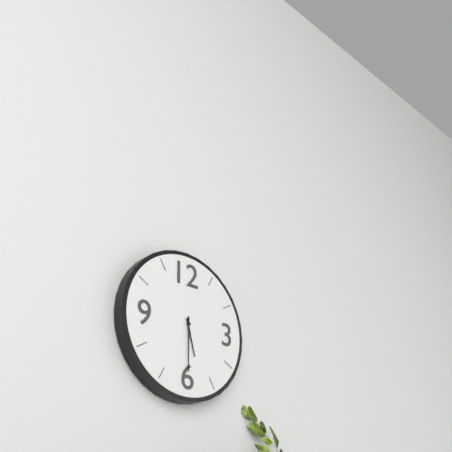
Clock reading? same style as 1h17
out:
5h30
